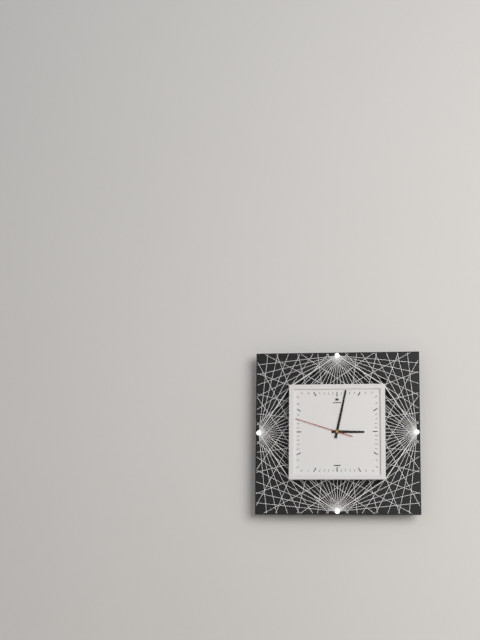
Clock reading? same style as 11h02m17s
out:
3h02m48s
